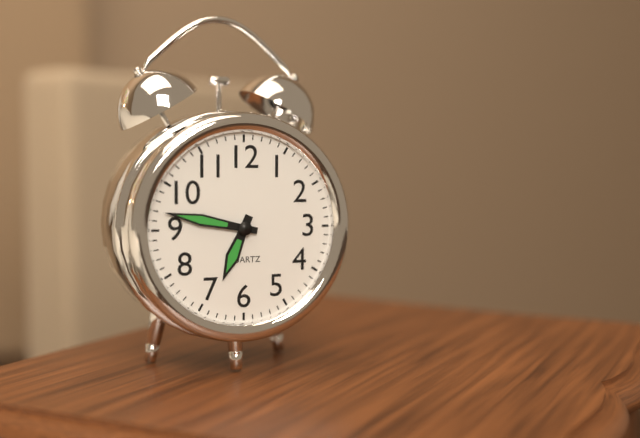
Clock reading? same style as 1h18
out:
6h47
